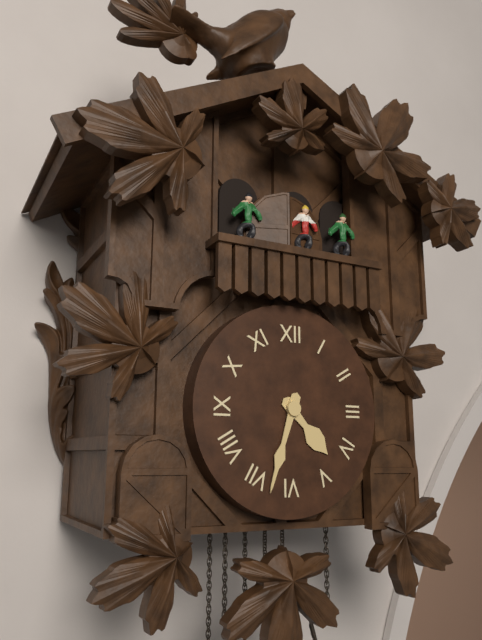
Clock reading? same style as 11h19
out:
4h33
